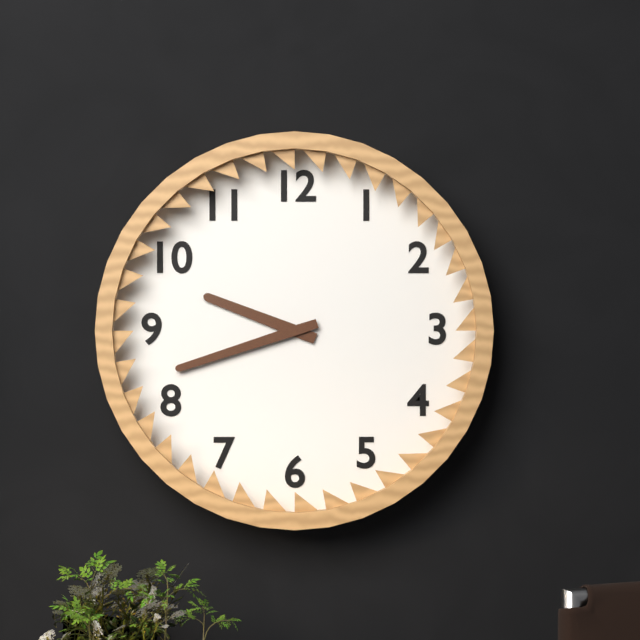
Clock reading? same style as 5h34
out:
9h42
